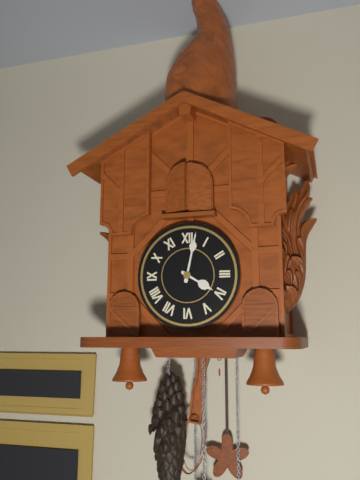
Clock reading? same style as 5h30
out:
4h02
